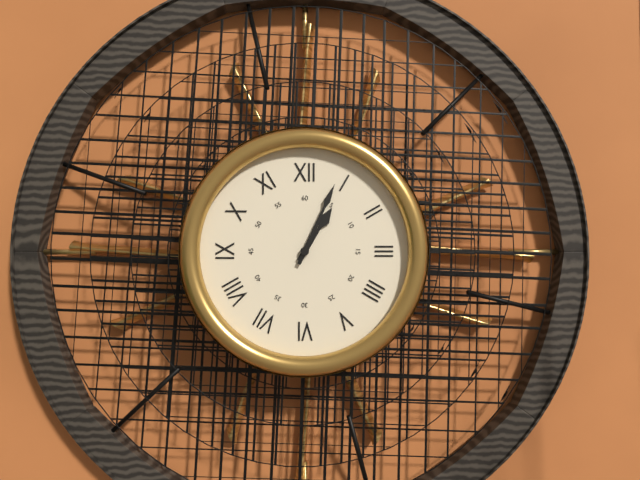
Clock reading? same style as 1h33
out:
1h04
